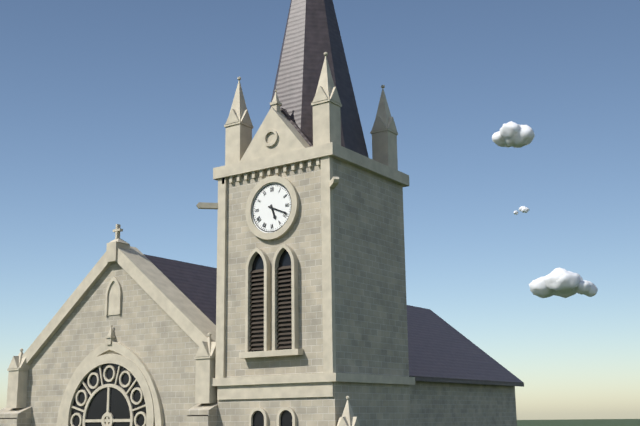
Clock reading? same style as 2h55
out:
5h19
